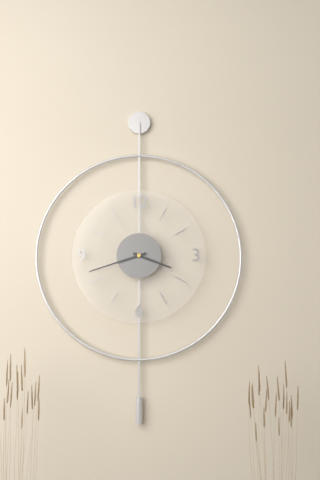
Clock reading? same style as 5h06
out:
3h42
